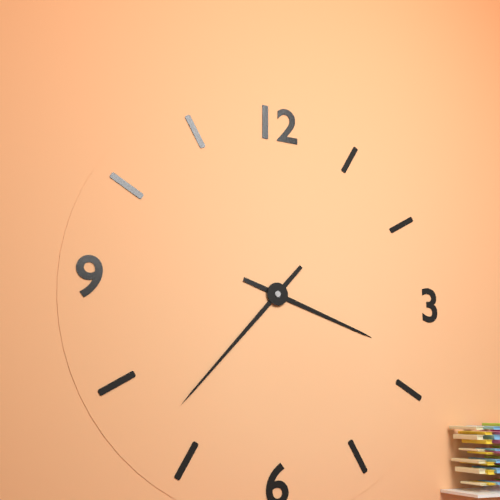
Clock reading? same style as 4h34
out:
3h37
